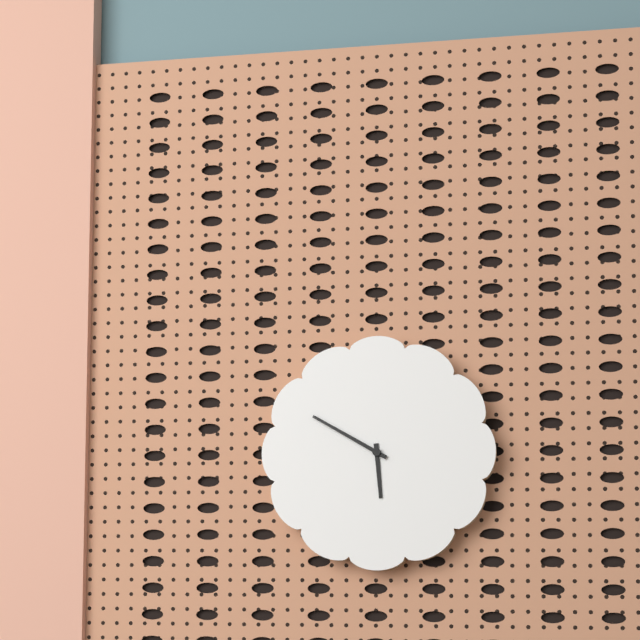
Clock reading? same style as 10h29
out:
5h50
